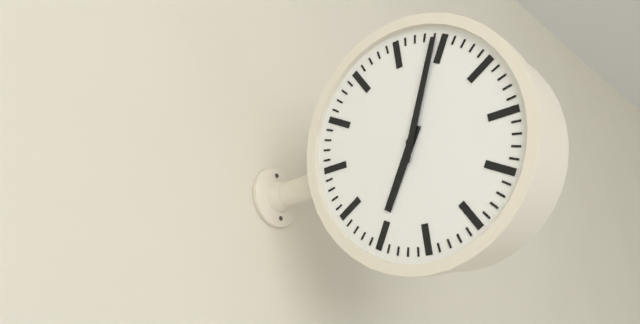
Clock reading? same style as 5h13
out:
7h04
